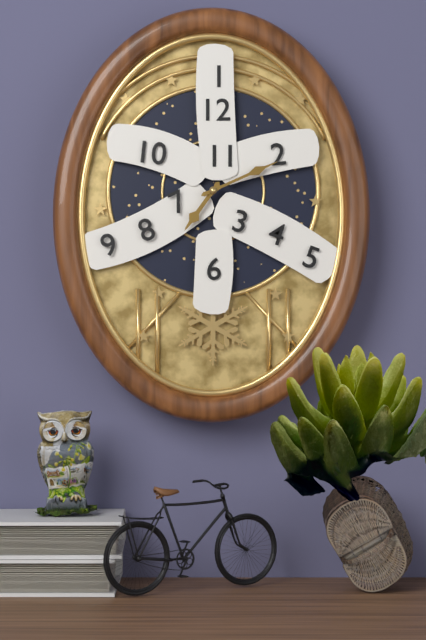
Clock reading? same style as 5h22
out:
7h11
